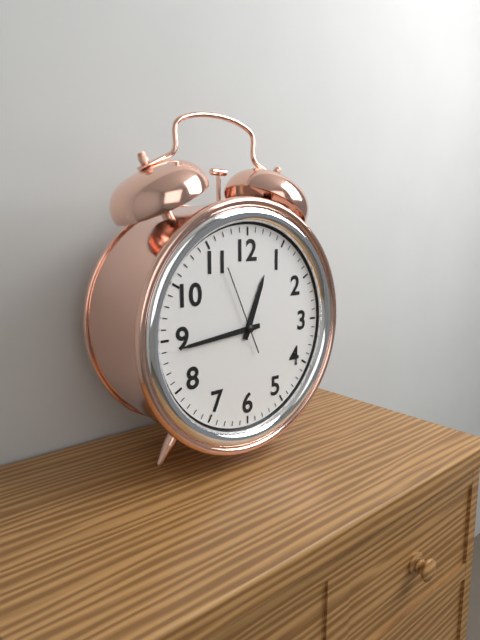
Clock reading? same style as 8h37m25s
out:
12h44m56s
